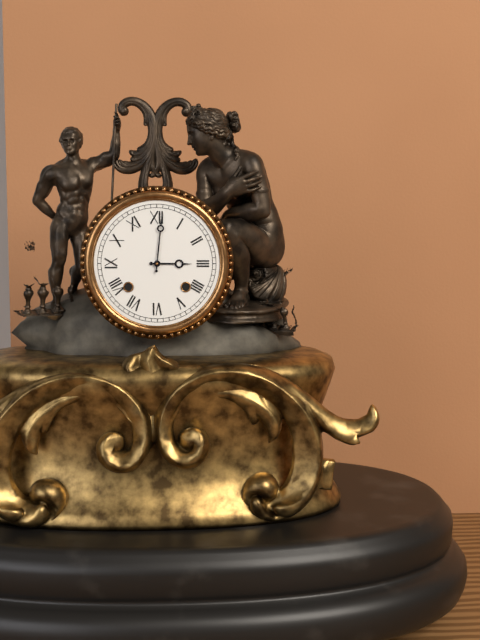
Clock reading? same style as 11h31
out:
3h01
